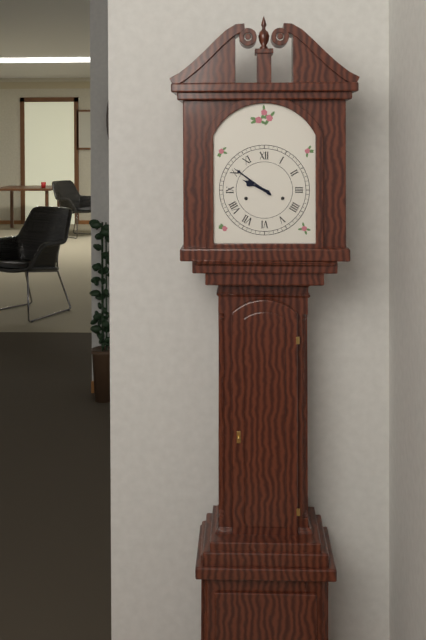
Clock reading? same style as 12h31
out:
9h51
